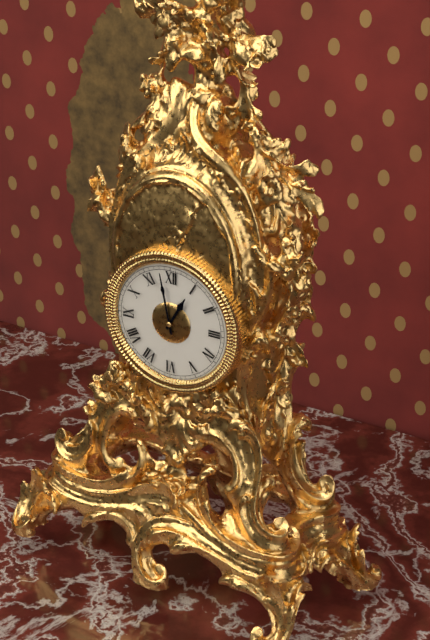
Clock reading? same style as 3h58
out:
12h58
